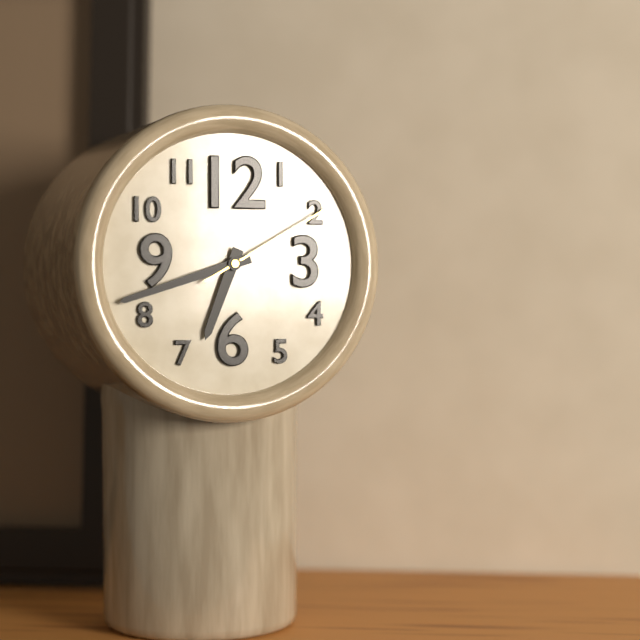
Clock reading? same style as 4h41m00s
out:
6h42m10s
